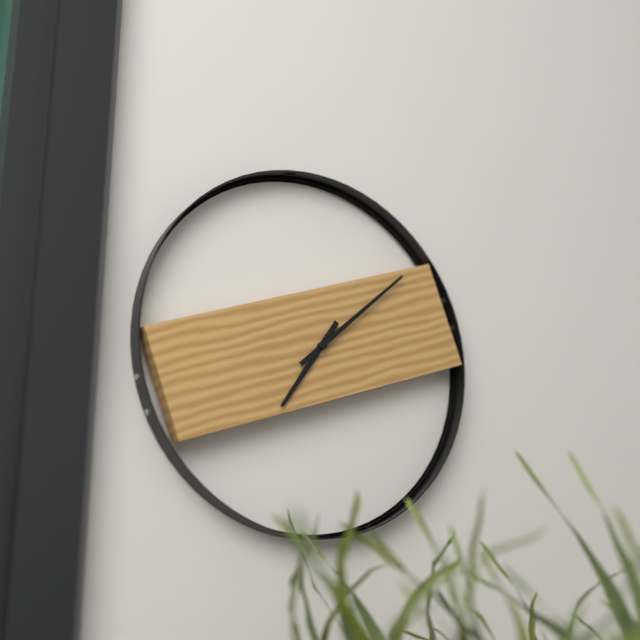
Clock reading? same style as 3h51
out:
7h08
